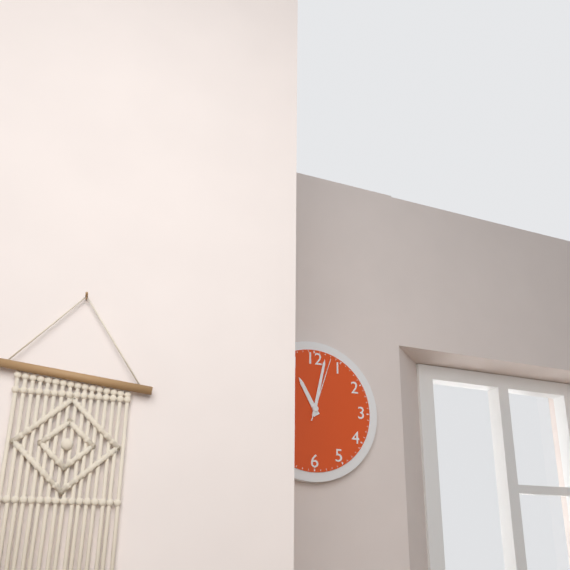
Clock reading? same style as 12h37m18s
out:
11h02m03s
